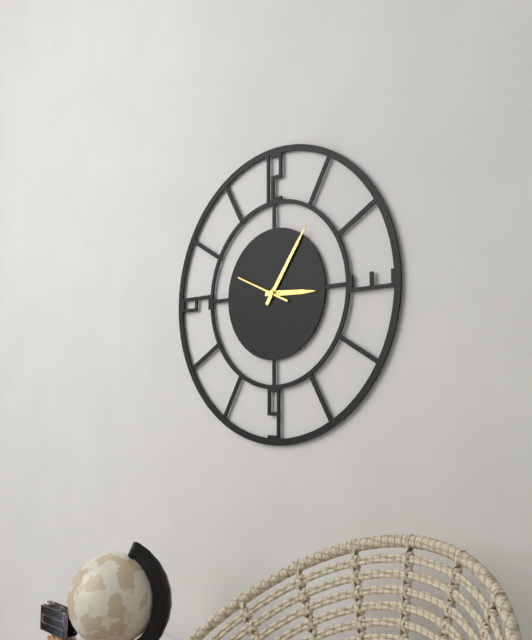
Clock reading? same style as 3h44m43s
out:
3h06m49s
